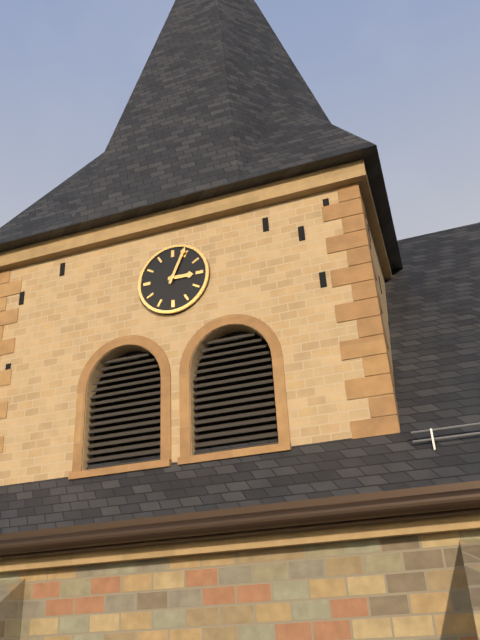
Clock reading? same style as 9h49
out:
3h04
